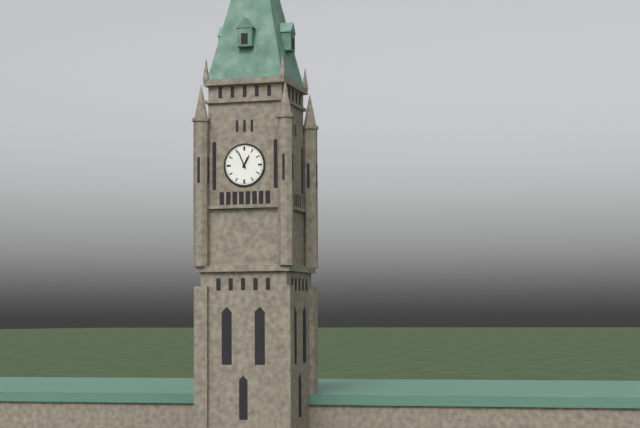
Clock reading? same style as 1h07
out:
12h56
